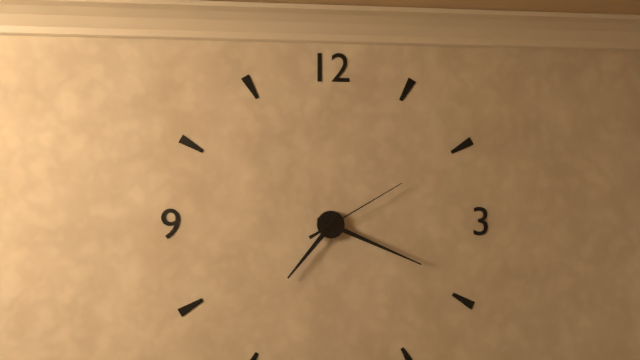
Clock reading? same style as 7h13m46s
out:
7h19m10s
